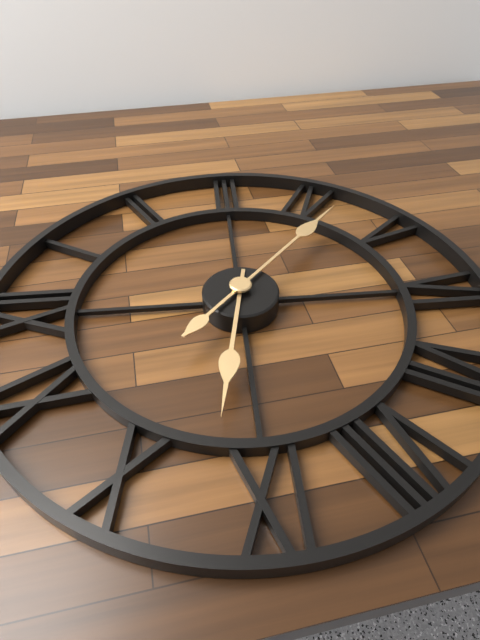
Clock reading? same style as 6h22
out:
9h22
